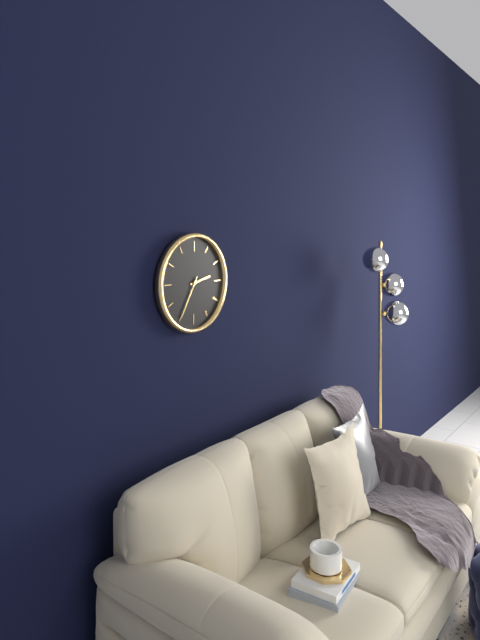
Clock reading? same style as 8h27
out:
2h35
